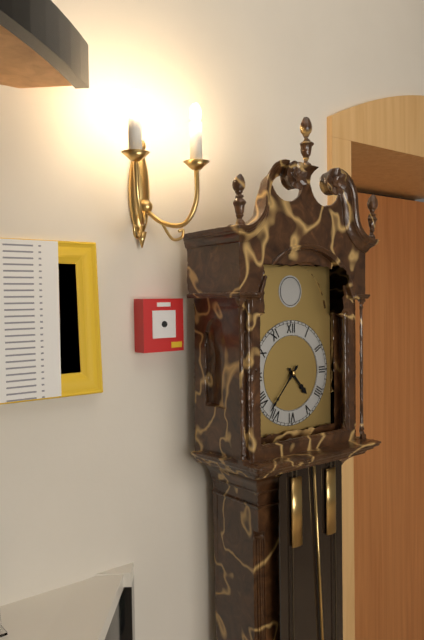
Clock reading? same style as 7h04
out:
4h37
